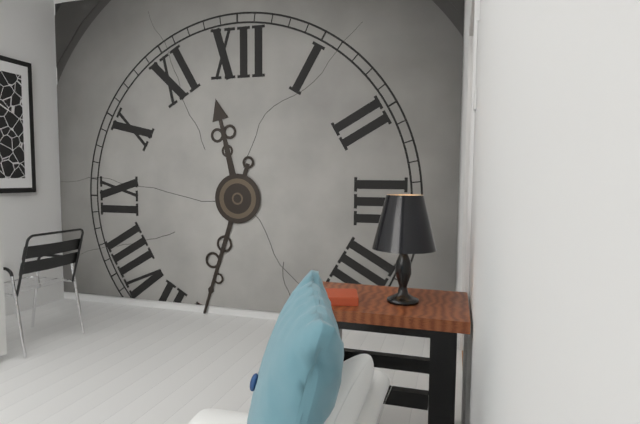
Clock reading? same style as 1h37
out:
11h33
